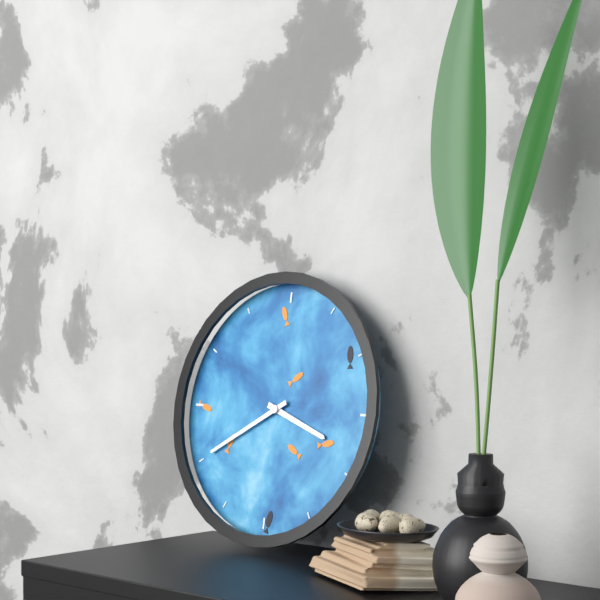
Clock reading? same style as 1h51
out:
3h40
